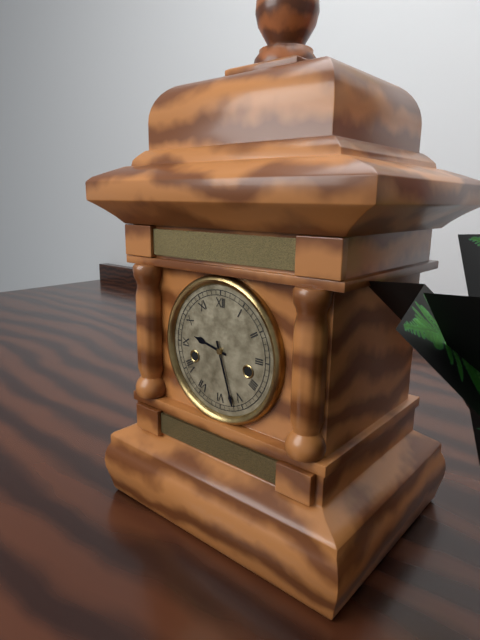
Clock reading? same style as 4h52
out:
9h27
